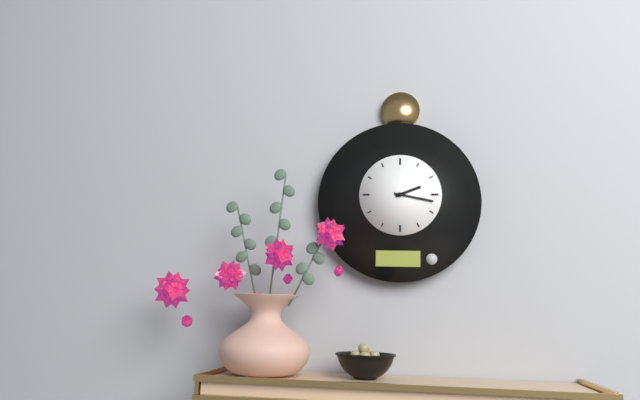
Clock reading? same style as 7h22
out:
2h17
